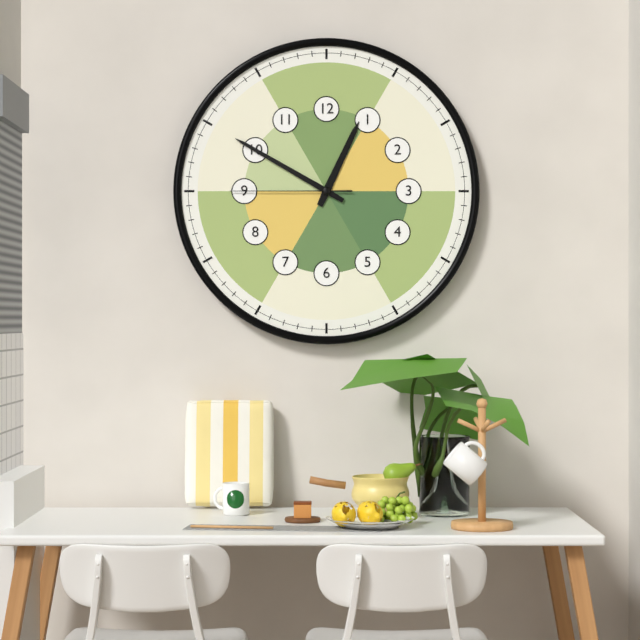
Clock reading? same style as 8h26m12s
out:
12h50m45s
